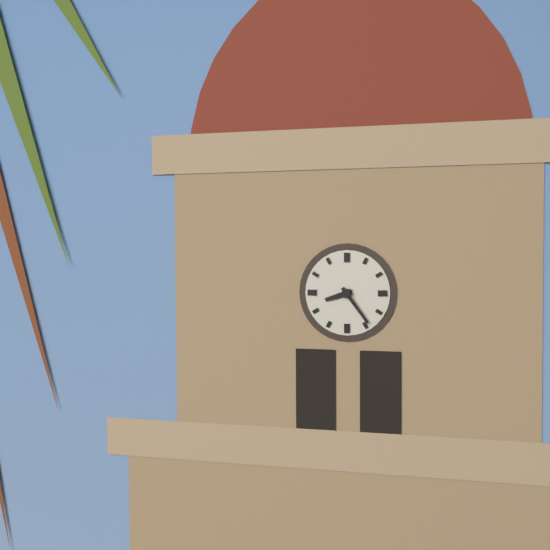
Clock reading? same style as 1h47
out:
8h24
